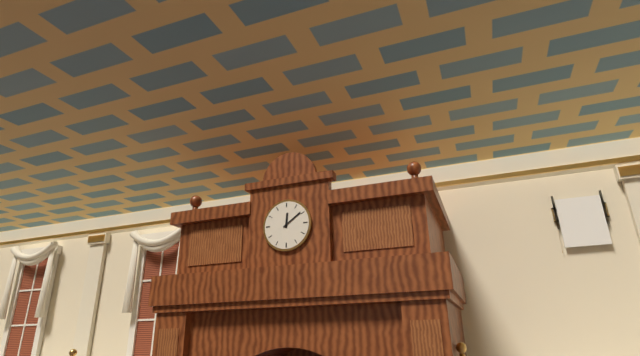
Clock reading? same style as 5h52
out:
12h09
